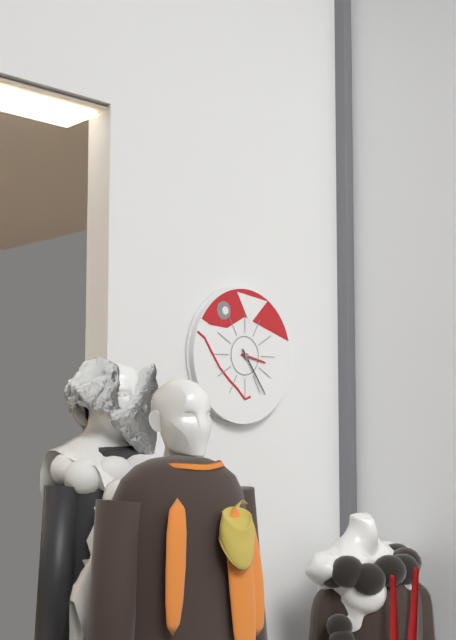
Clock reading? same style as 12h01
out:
3h24
